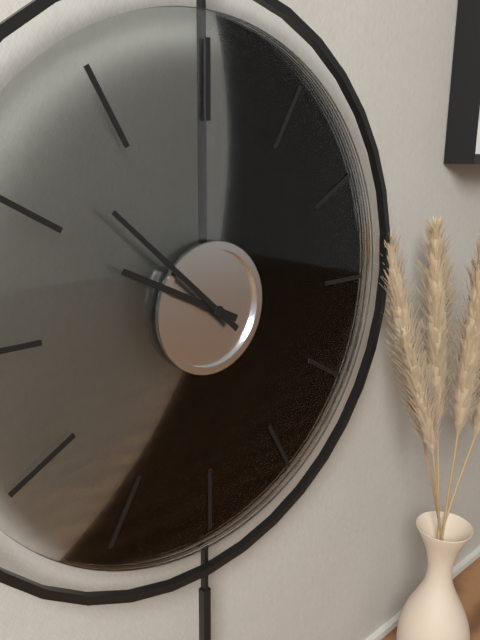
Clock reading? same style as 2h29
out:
9h52
